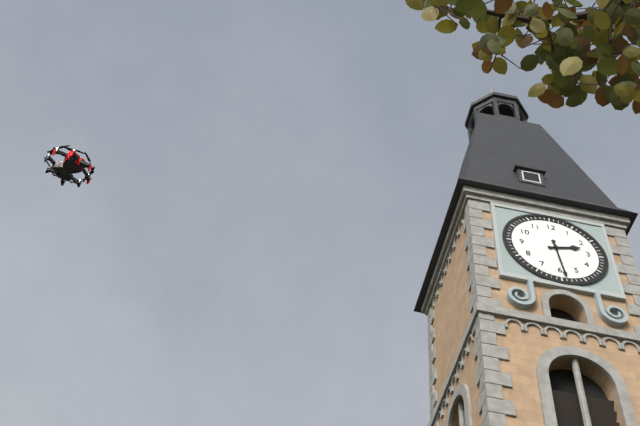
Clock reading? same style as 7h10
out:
2h29
